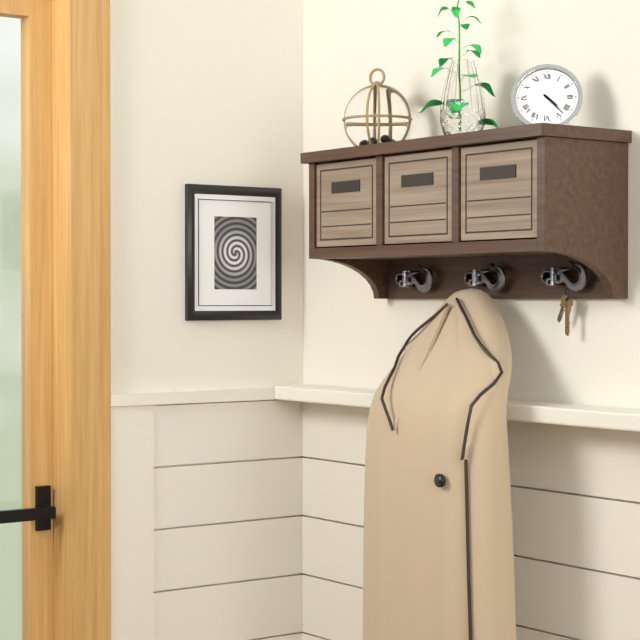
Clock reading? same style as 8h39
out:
4h23
